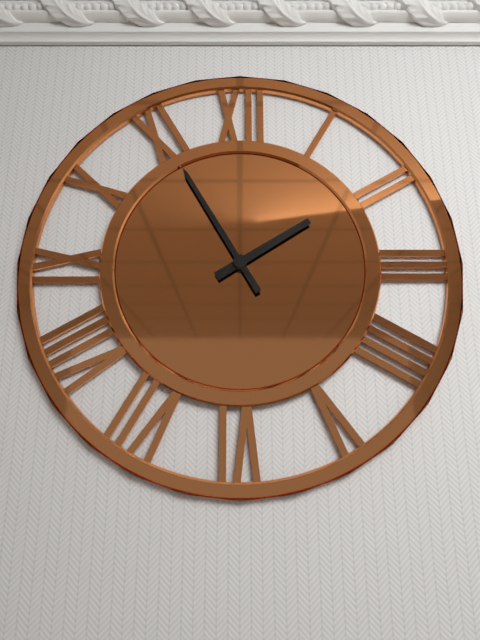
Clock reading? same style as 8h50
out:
1h55
